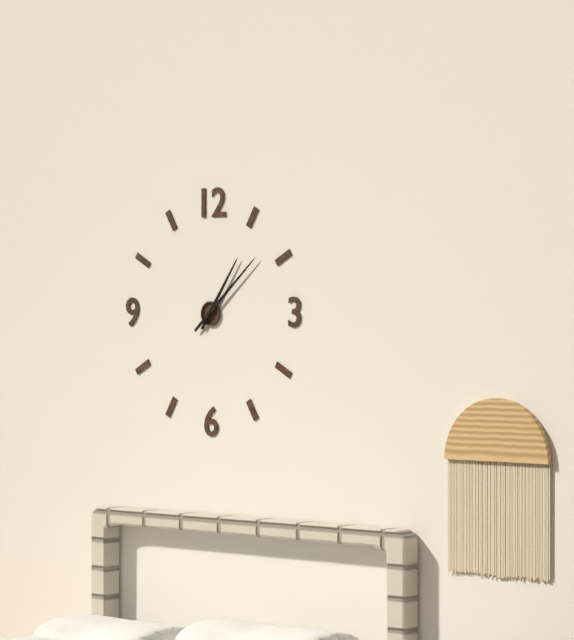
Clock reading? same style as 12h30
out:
1h08
